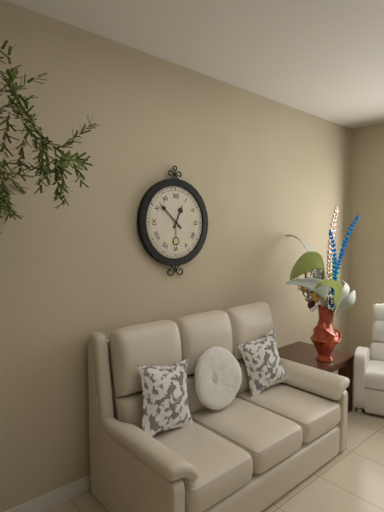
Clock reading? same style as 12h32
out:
12h52
